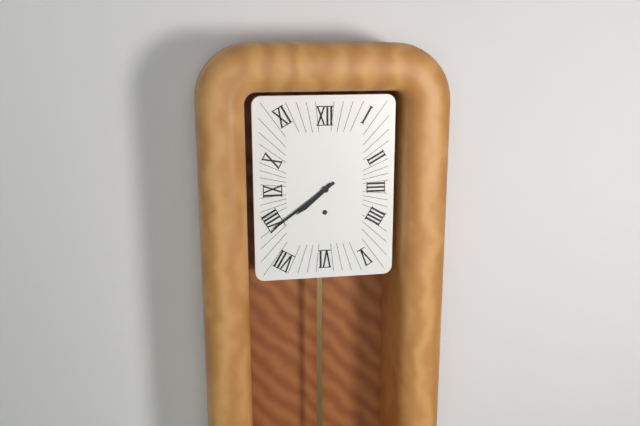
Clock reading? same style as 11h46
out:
7h39
